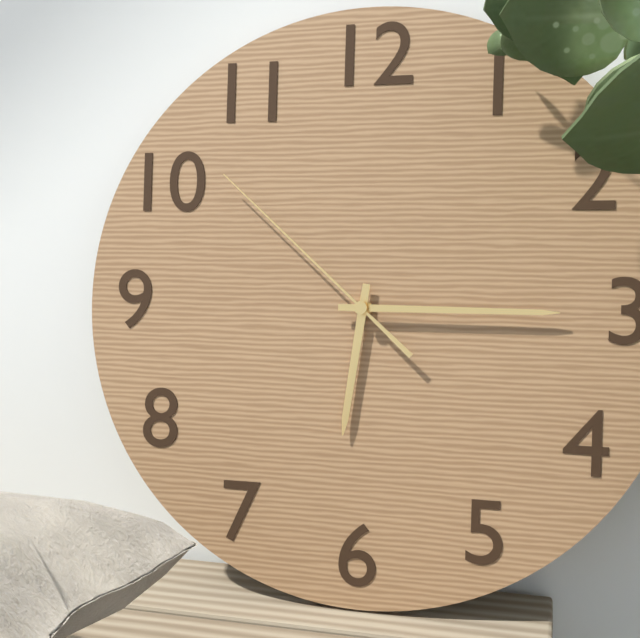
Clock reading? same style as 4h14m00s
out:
6h15m52s
